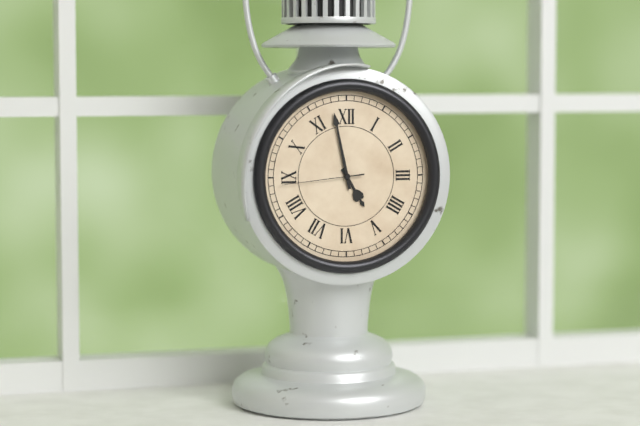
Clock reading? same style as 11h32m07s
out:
4h58m44s
